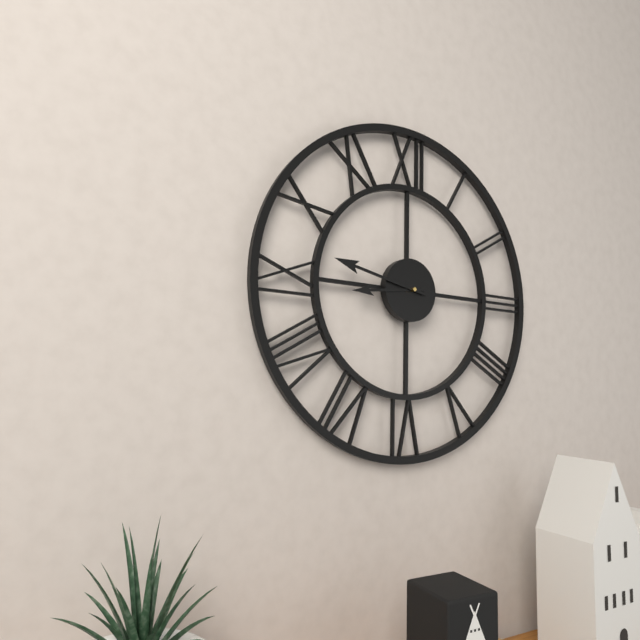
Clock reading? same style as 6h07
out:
8h47
